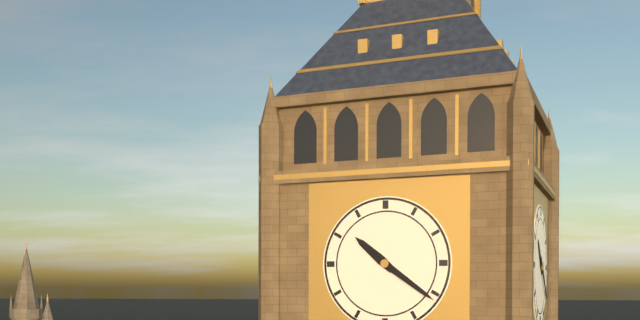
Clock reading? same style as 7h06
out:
10h21
